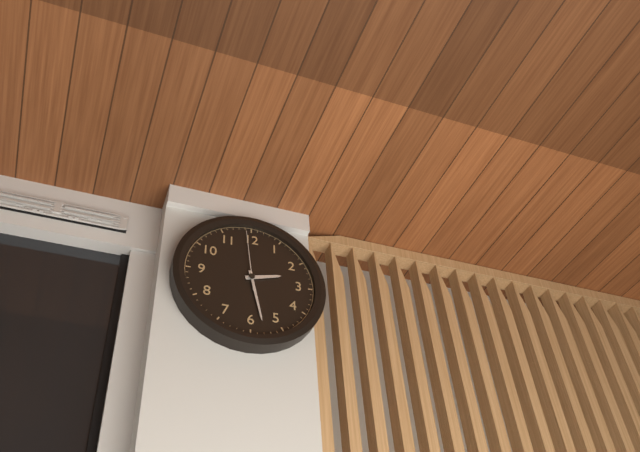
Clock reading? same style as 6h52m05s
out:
2h28m59s
